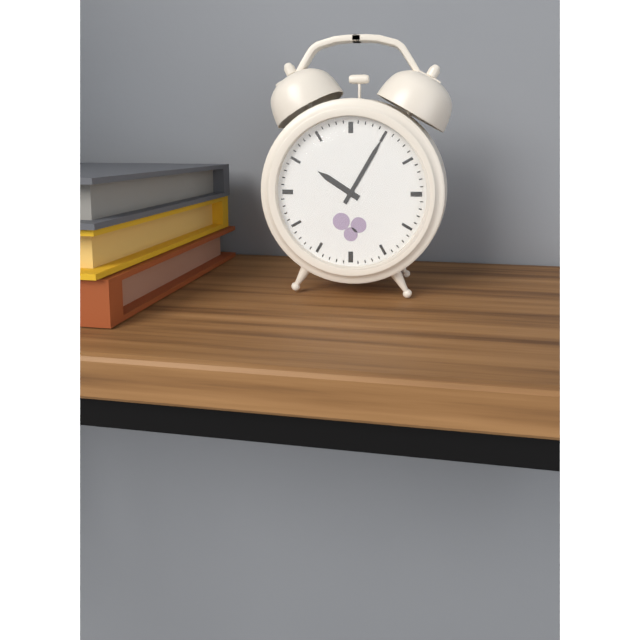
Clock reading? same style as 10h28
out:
10h05
